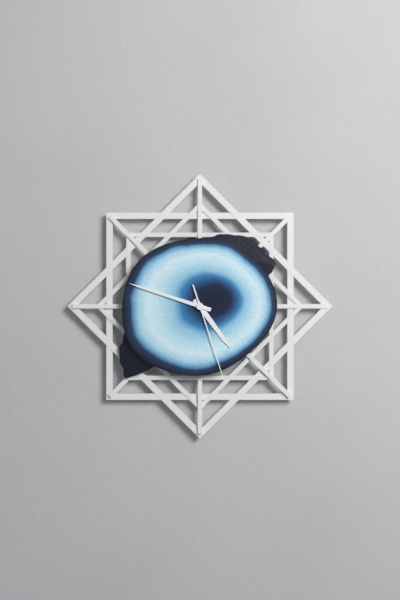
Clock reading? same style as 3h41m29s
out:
4h48m27s
